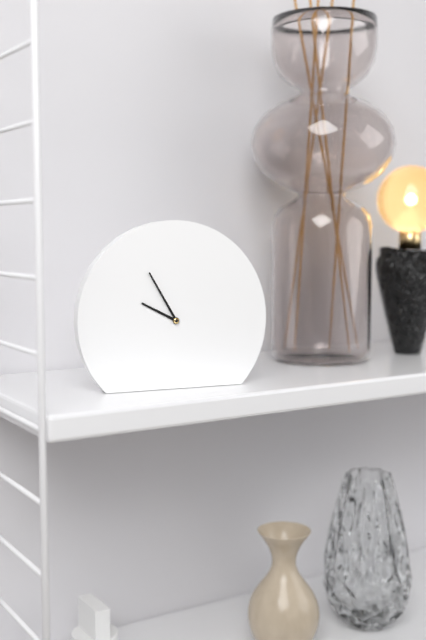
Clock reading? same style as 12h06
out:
9h55
